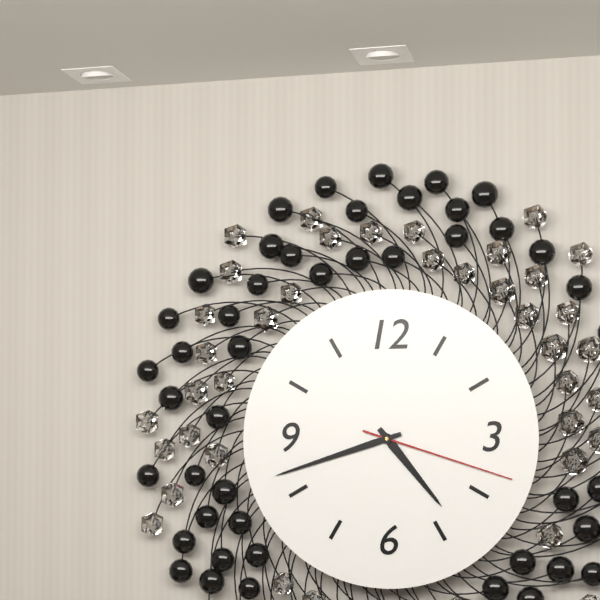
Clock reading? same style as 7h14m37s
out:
4h42m18s
